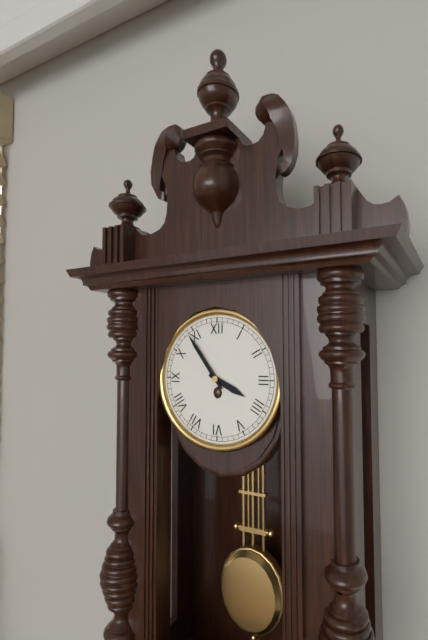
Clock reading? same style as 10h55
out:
3h54
